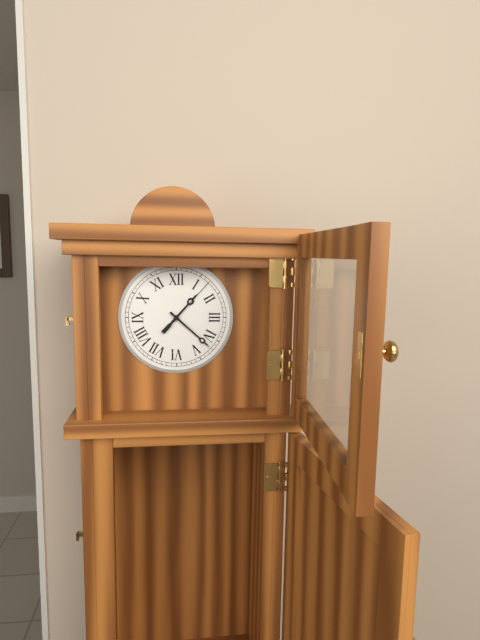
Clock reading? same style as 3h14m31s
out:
1h22m07s
